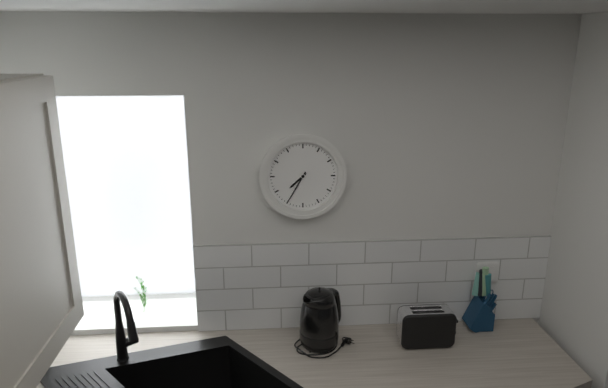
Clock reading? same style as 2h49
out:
7h35
